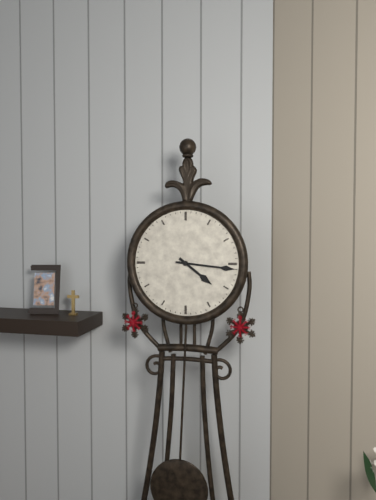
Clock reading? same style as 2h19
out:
4h16
